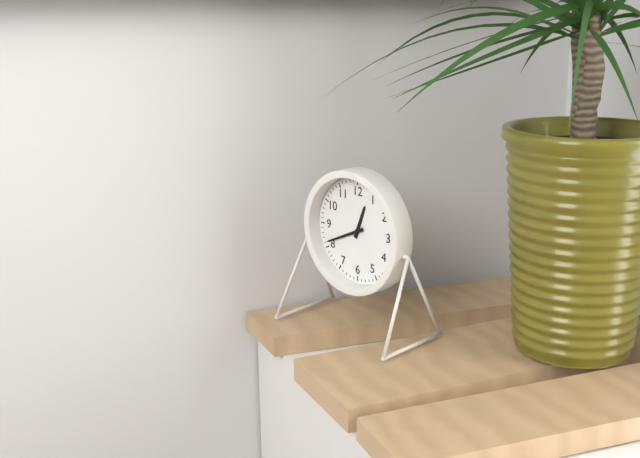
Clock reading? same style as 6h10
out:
12h41
